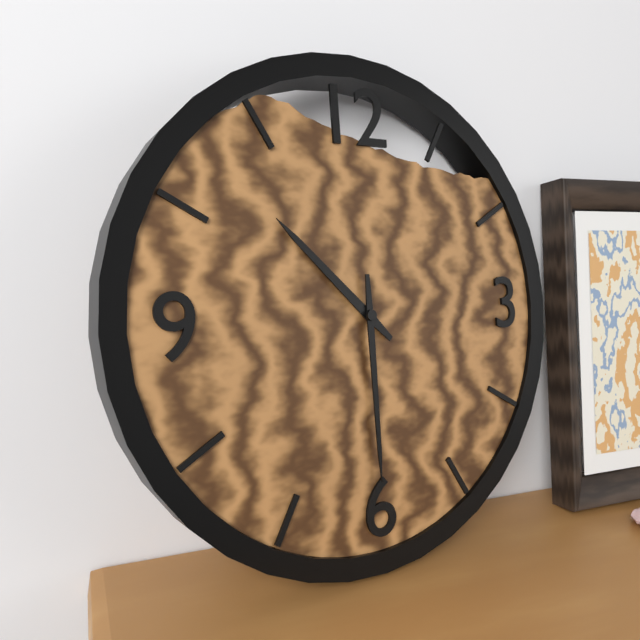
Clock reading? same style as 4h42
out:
10h30
